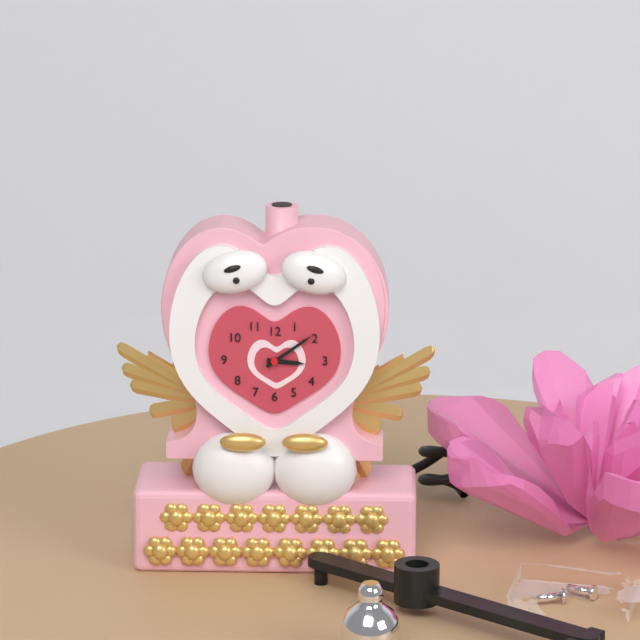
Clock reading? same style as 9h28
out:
3h09
